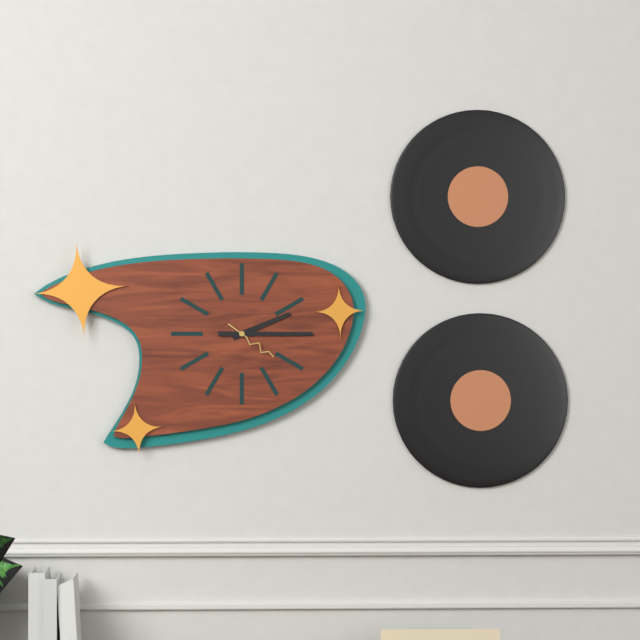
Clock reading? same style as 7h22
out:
2h15
